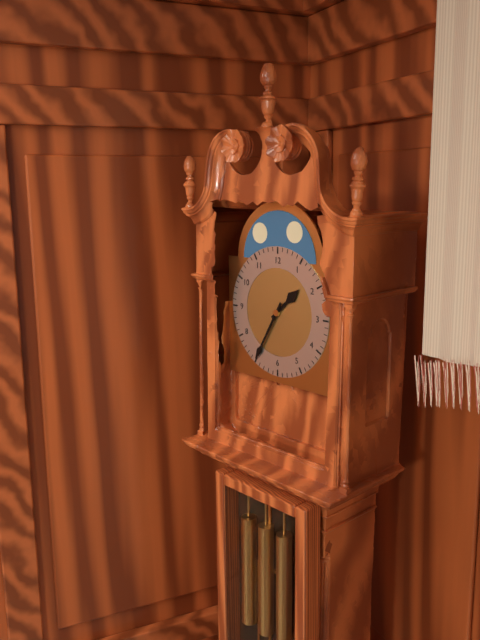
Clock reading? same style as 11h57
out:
1h35
